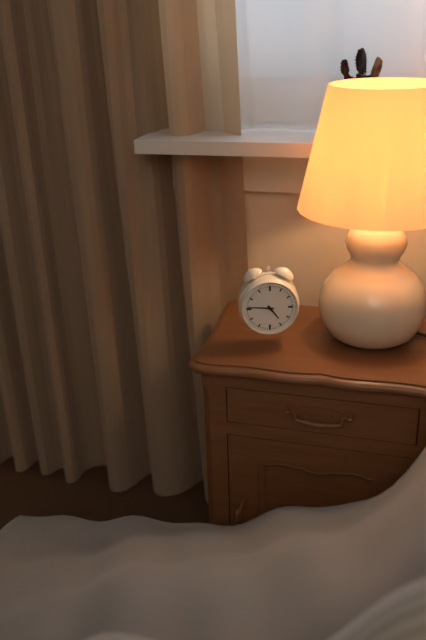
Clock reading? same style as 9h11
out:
4h46
